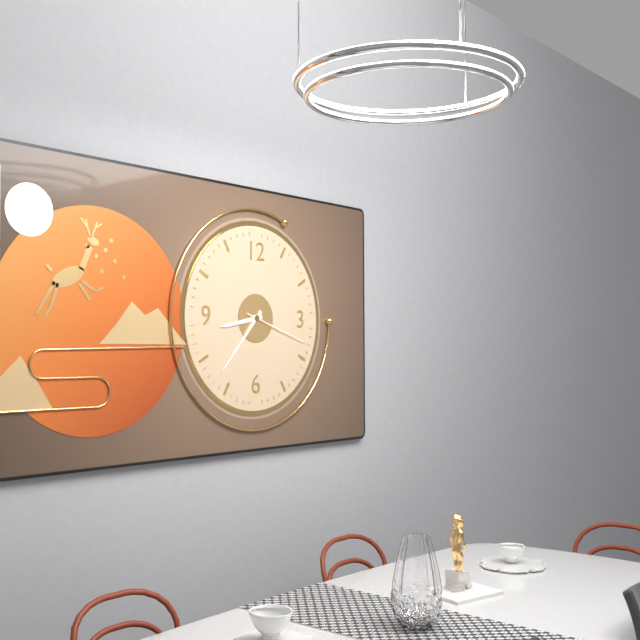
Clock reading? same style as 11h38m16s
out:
8h37m18s
